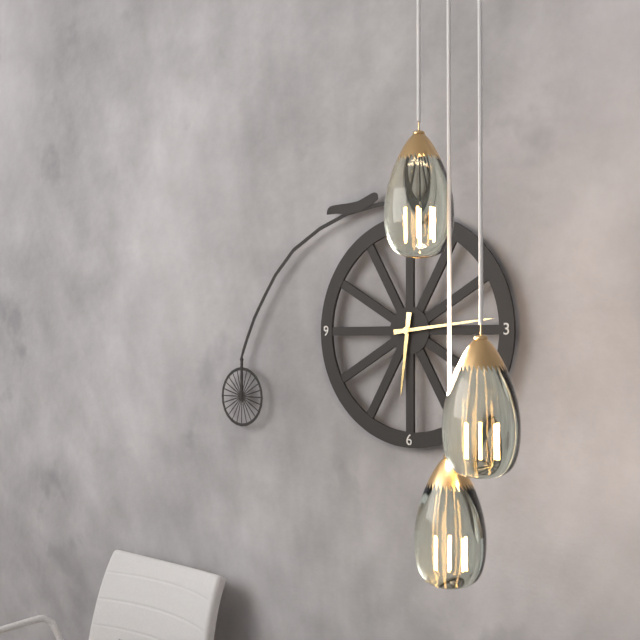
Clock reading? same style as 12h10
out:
6h14
